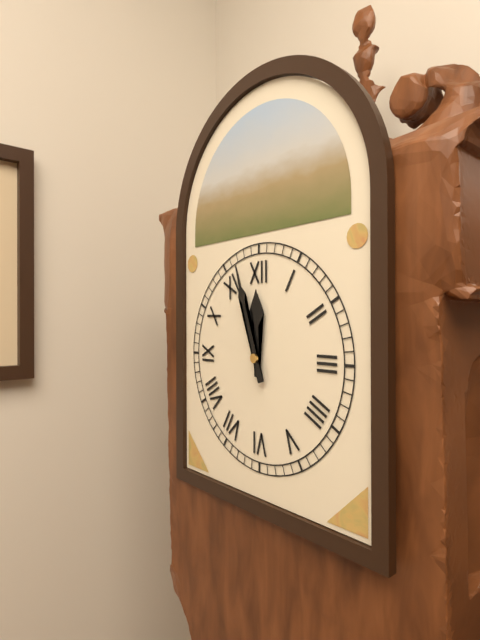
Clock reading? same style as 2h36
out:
11h57
